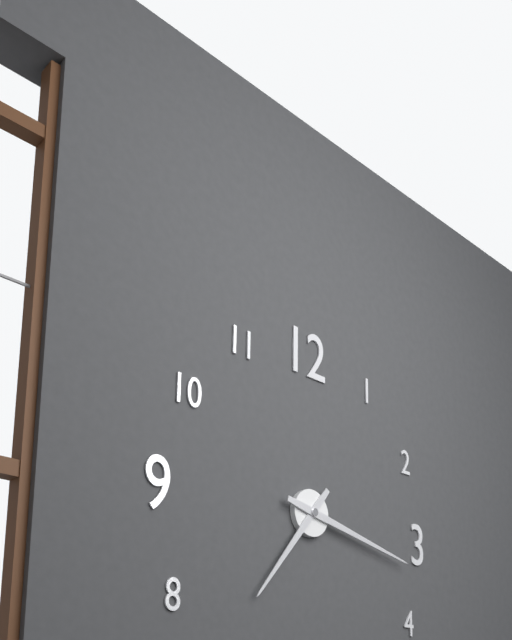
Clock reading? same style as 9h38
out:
7h17
